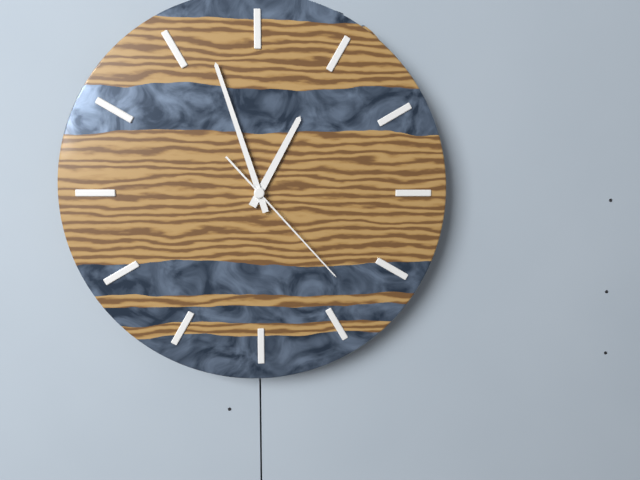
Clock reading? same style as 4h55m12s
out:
12h57m23s
